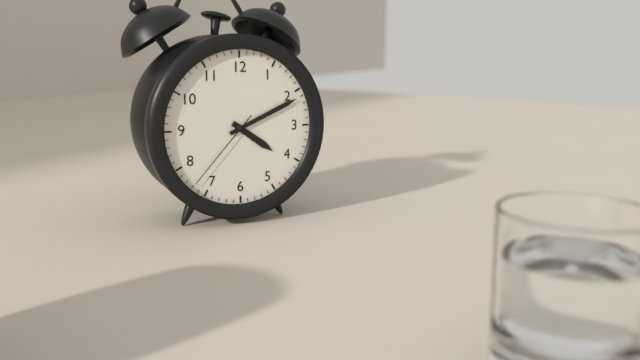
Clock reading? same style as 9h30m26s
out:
4h11m37s
